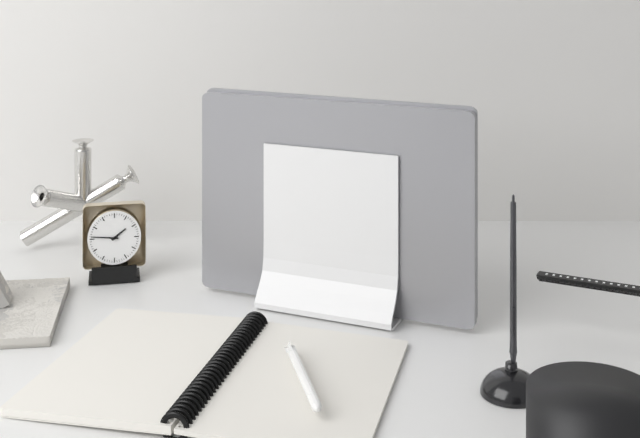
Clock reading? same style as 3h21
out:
1h46
